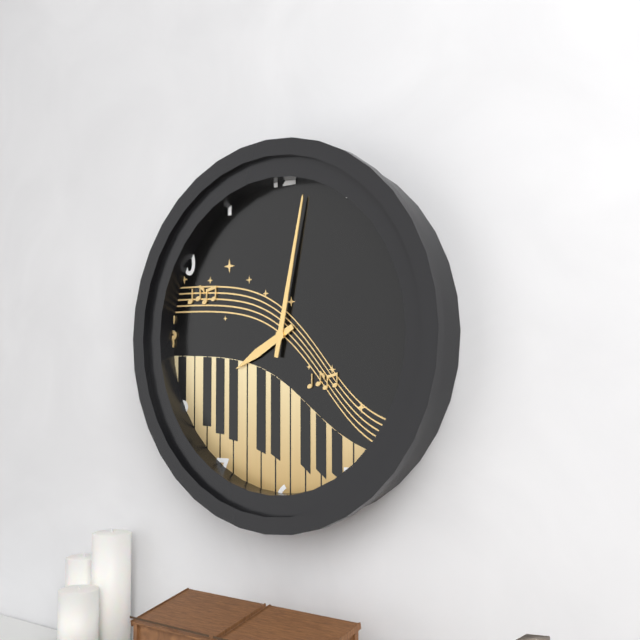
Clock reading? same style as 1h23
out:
8h02
